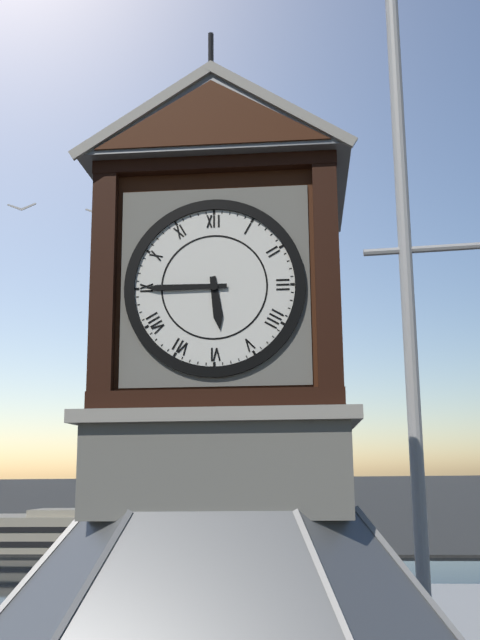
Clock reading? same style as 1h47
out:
5h45
